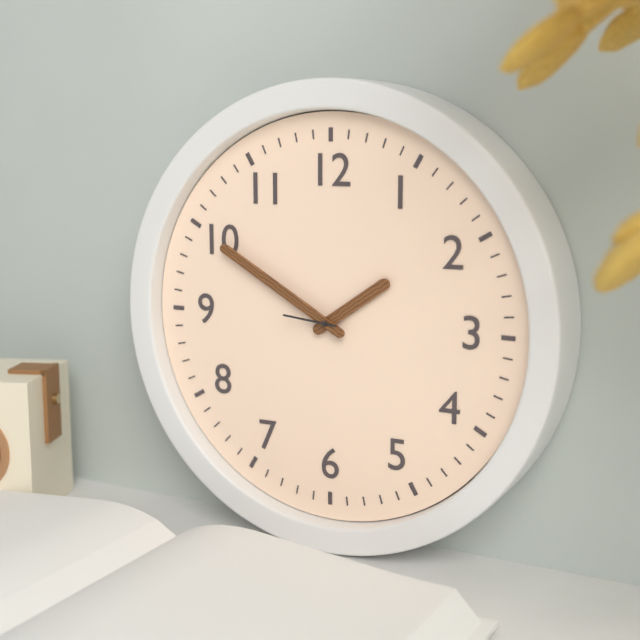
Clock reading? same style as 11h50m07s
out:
1h50m46s
